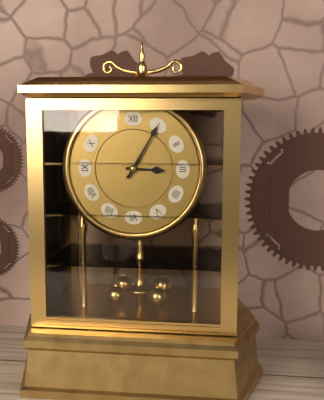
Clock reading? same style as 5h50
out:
3h05
